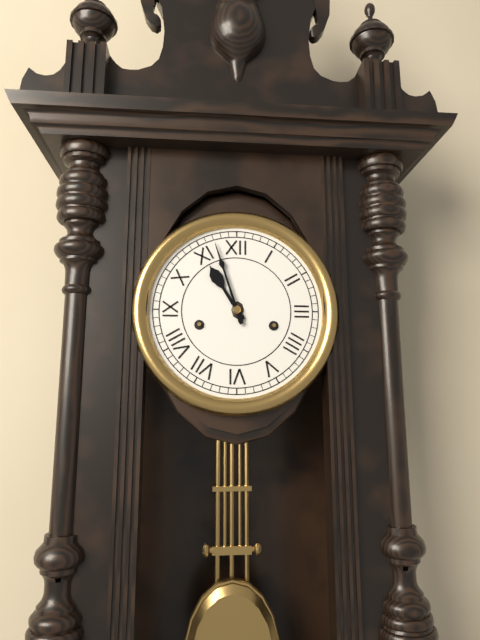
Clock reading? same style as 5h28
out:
10h57
